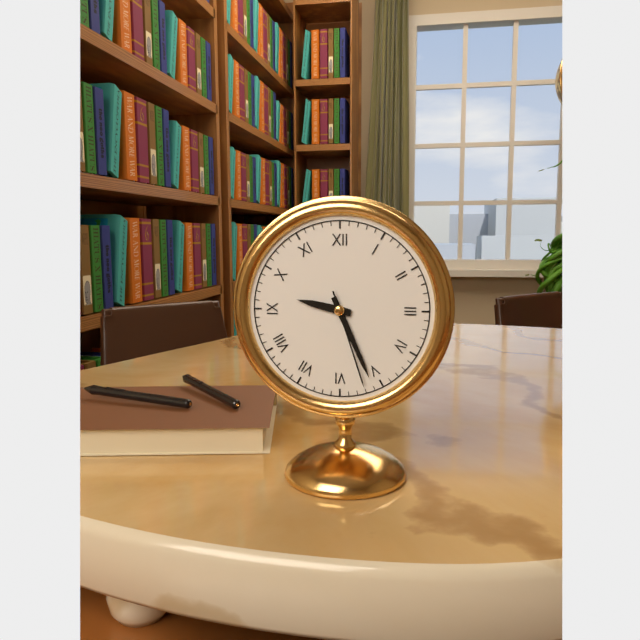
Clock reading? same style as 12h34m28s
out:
9h26m27s
